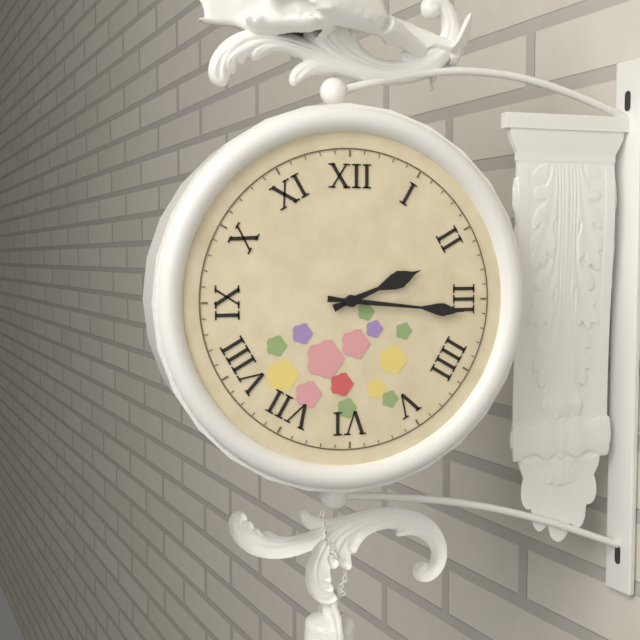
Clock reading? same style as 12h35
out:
2h16
